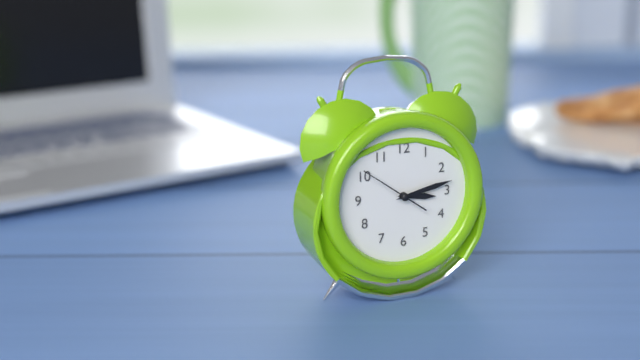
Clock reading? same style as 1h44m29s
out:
3h13m51s
